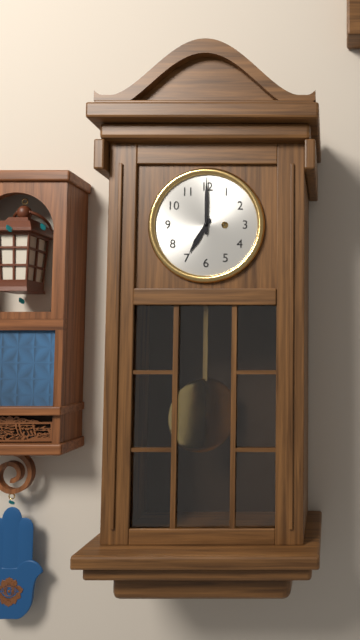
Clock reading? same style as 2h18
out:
7h00
